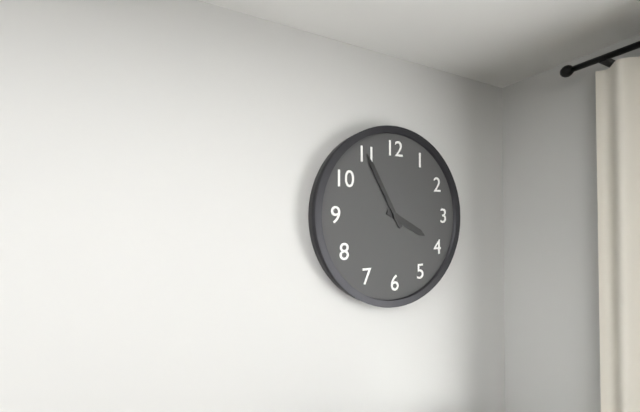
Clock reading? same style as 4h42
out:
3h55
